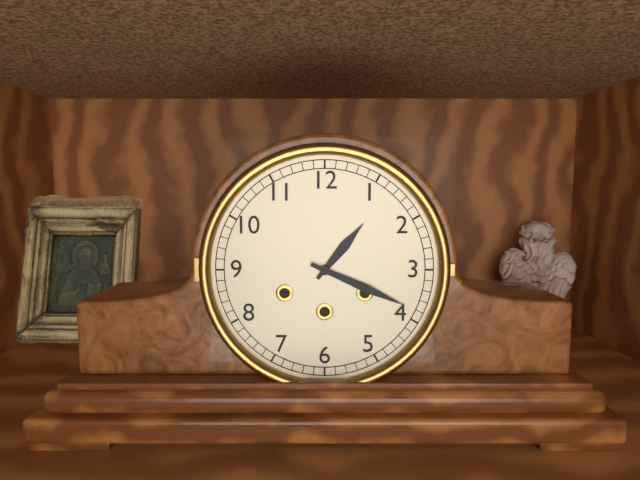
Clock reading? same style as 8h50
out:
1h19
